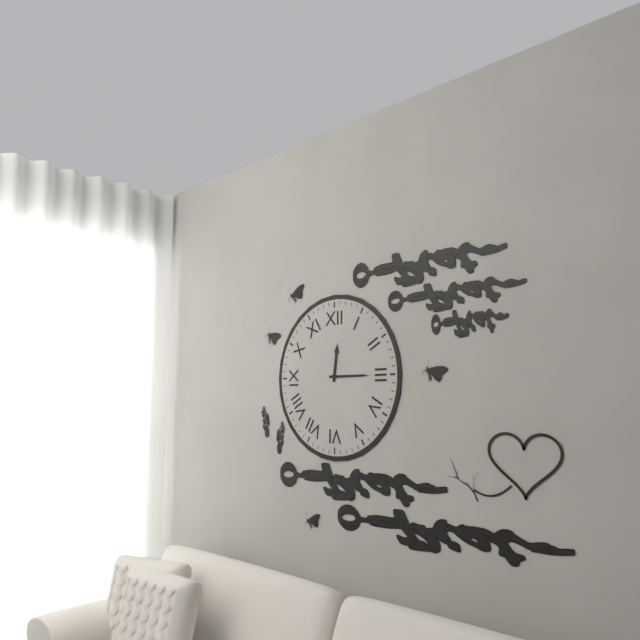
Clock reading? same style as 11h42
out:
12h15
